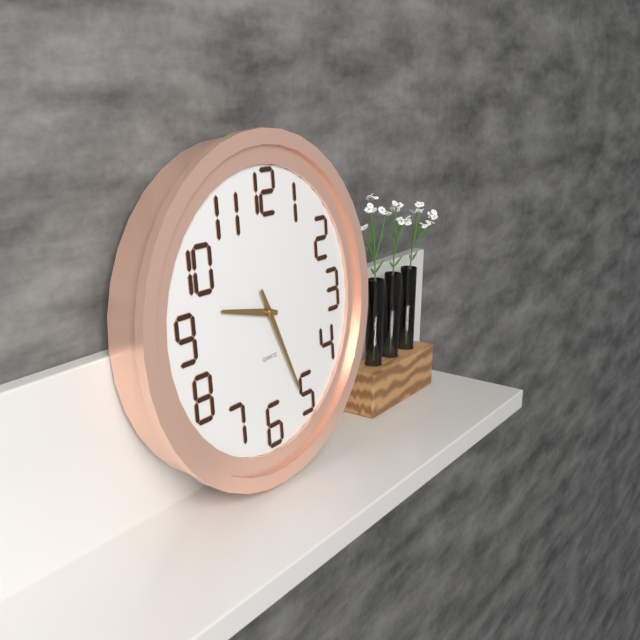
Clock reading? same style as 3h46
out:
9h26
